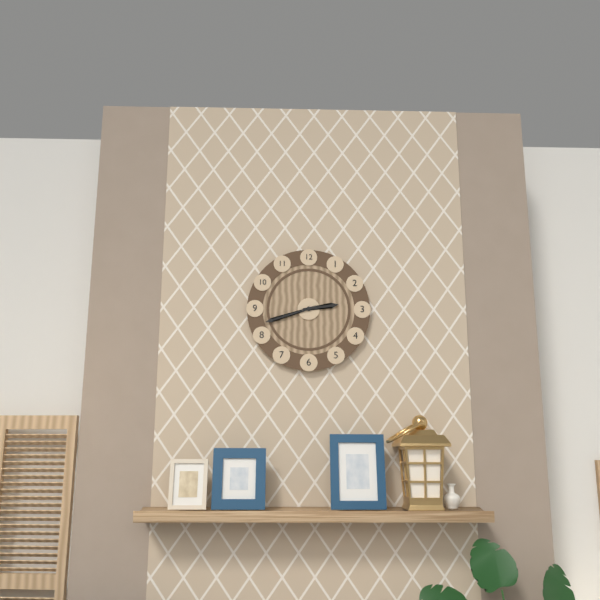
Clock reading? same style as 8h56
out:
2h42
